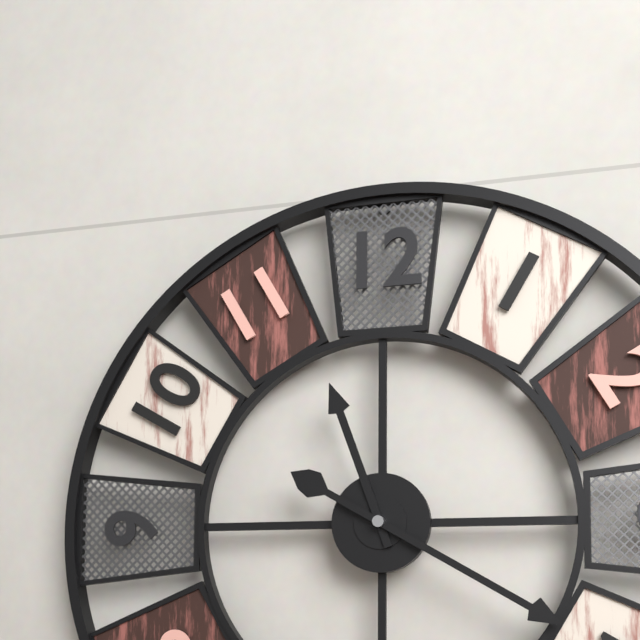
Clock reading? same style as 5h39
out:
11h20
